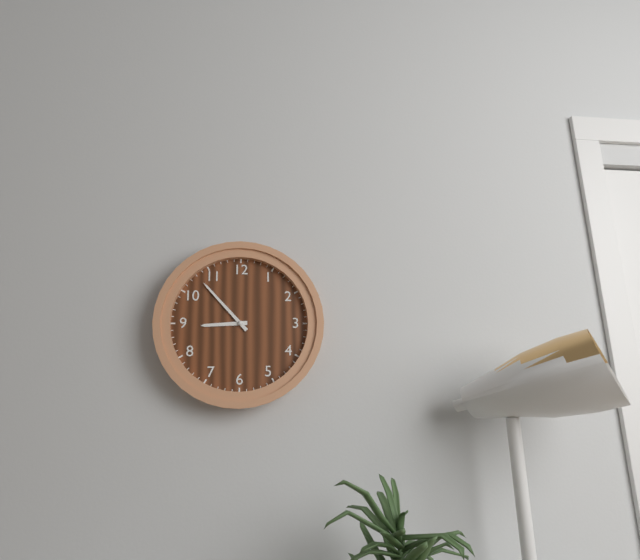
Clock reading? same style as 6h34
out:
8h53
